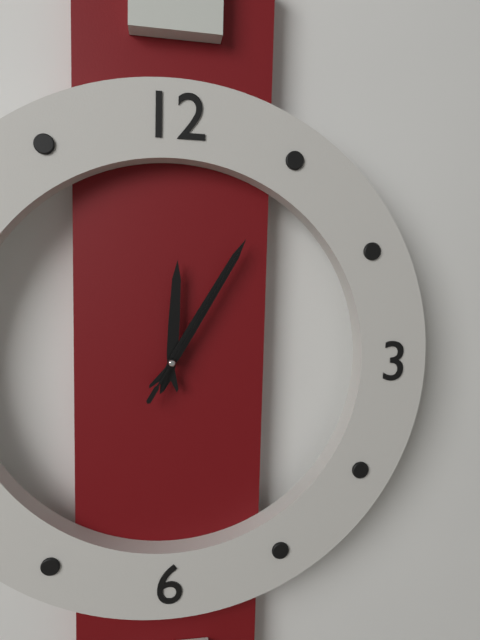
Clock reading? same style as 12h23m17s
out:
12h05m05s
